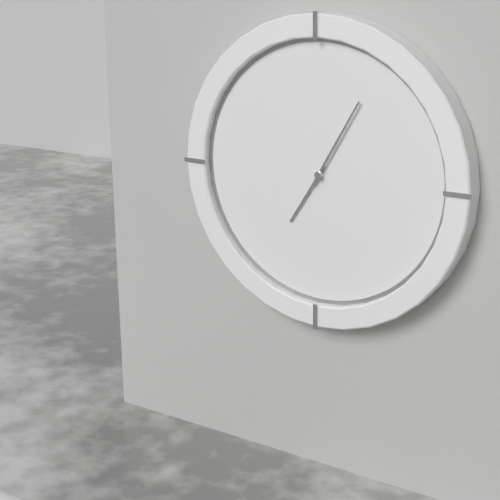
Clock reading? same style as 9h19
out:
7h05
